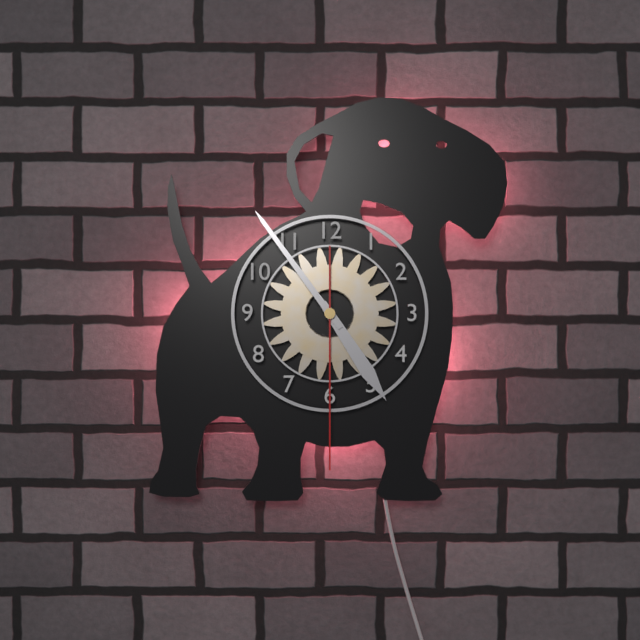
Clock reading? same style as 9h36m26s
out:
4h54m30s
